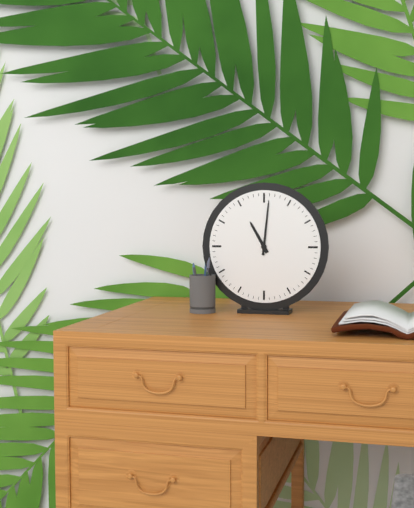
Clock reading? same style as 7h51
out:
11h01
